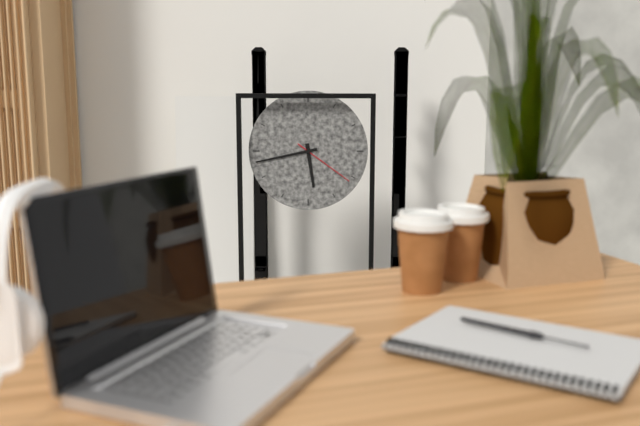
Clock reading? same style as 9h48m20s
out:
5h43m21s
